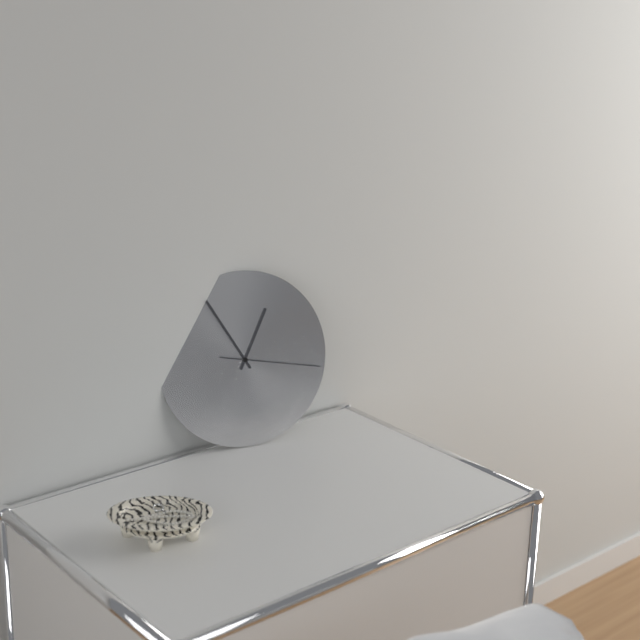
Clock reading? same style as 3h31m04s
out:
12h55m17s
